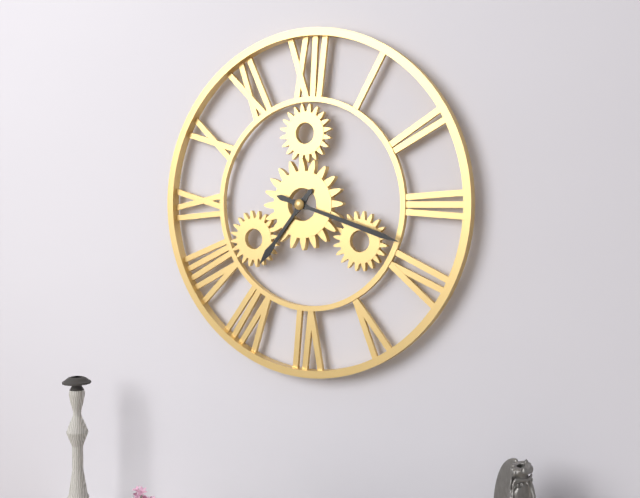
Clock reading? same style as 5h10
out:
7h18
